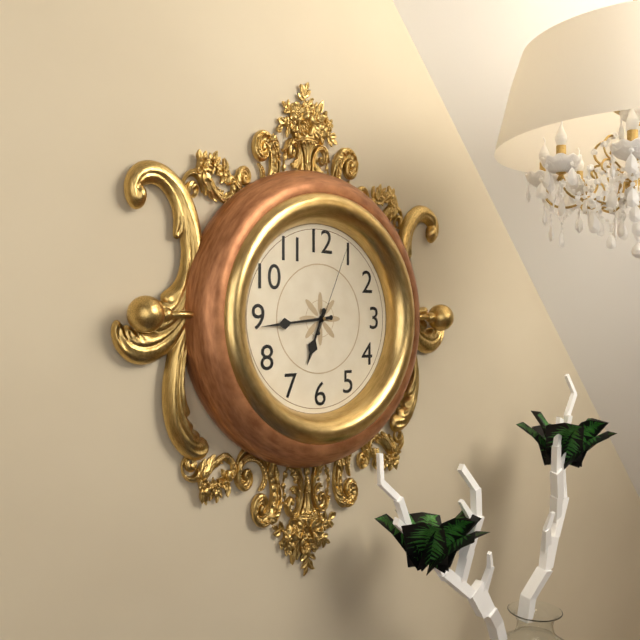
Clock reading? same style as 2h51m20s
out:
6h44m04s
